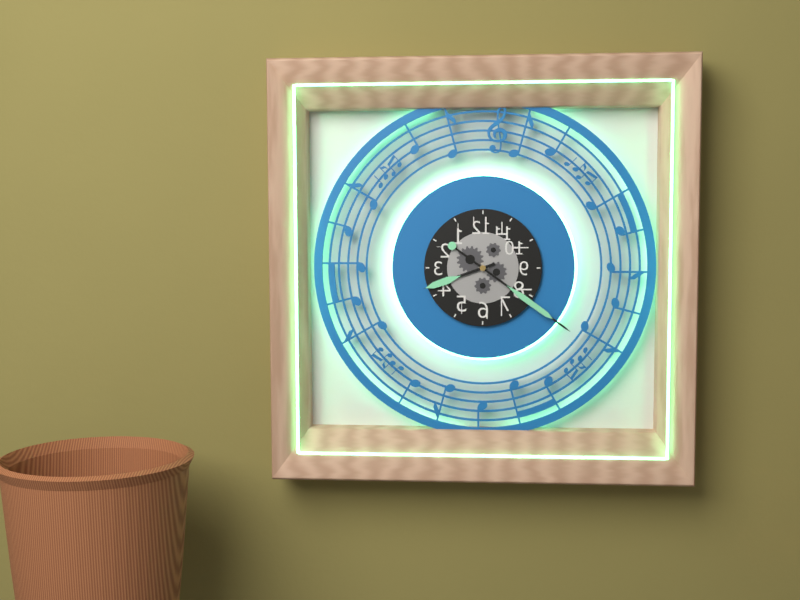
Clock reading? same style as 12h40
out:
8h21
